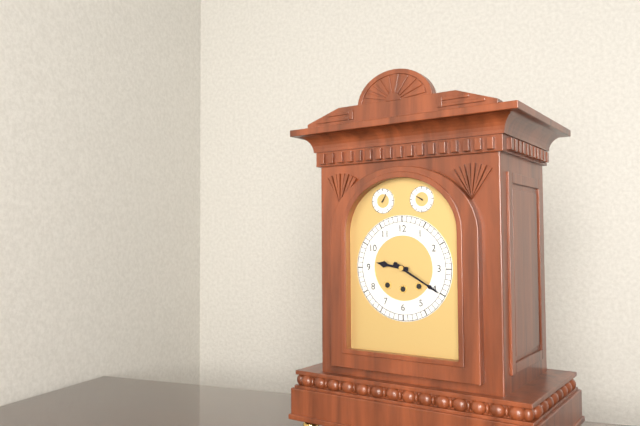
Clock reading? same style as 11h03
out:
9h20
